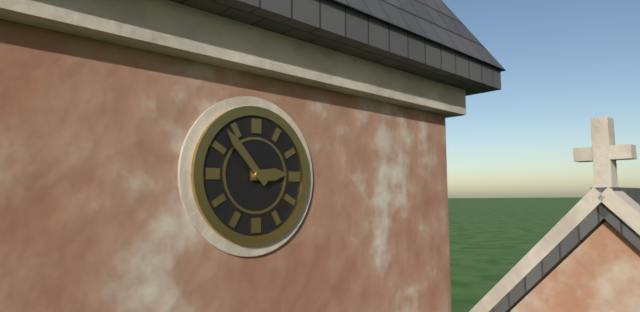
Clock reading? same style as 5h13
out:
2h53
